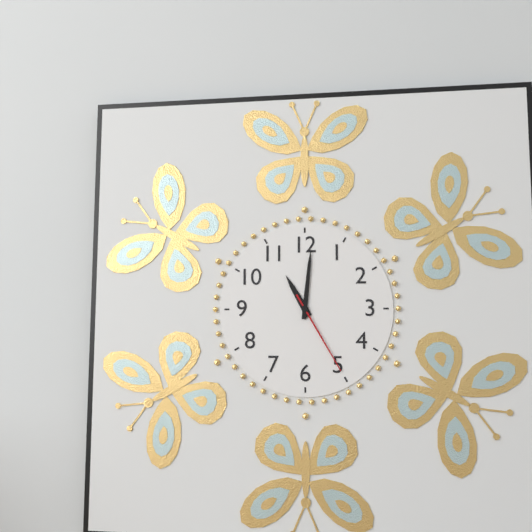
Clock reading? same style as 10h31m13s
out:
11h01m25s
